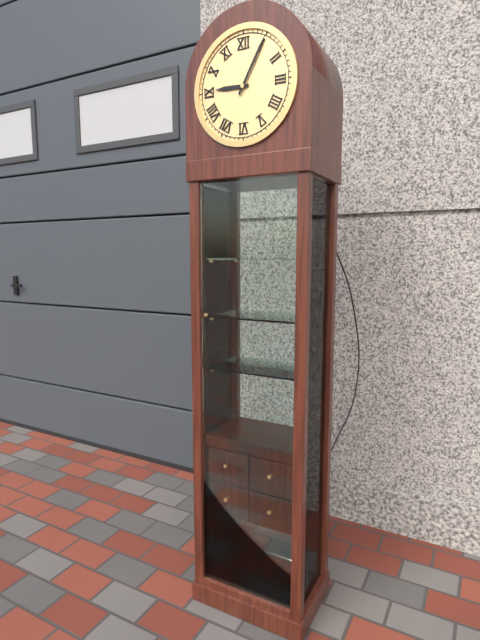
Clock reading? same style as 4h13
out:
9h05
